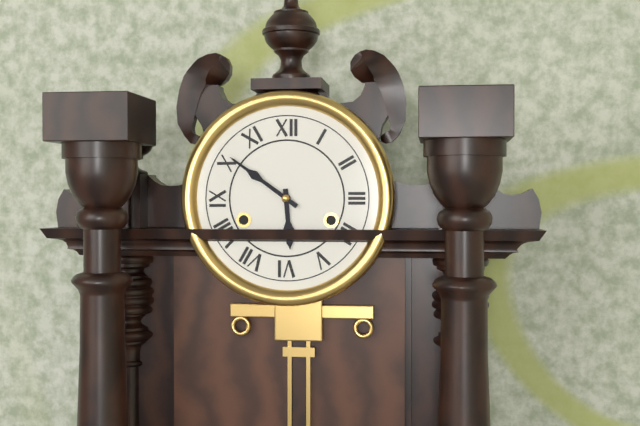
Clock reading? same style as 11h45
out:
5h51
